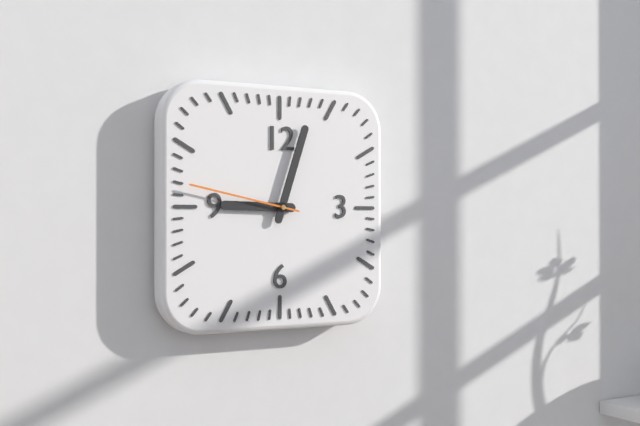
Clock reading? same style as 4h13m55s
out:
9h03m47s
